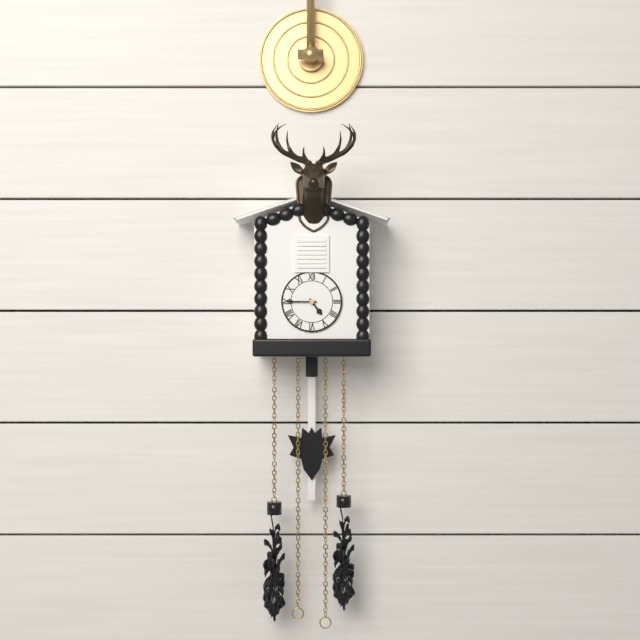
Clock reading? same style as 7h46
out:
4h45
